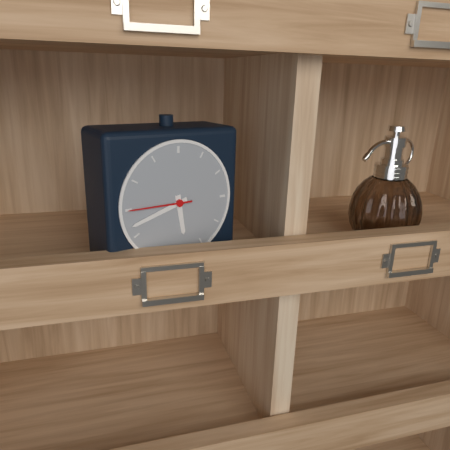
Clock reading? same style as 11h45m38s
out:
5h42m45s
